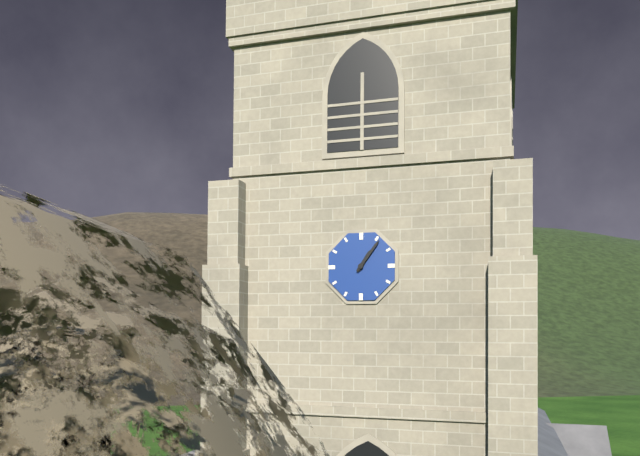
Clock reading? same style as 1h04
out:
1h06
